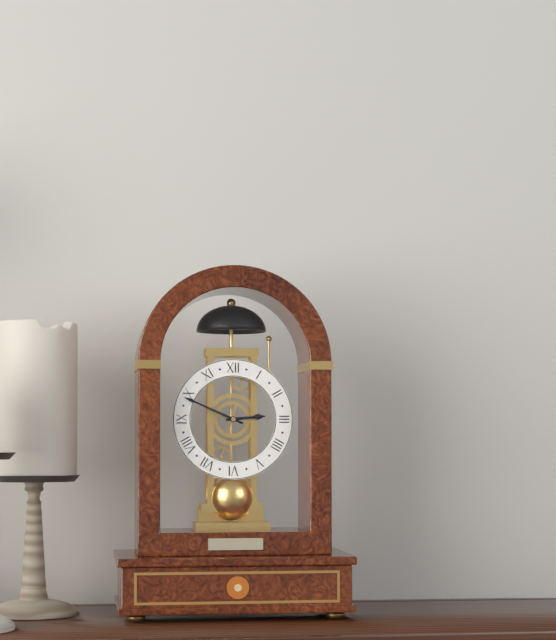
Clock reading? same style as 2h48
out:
2h49
